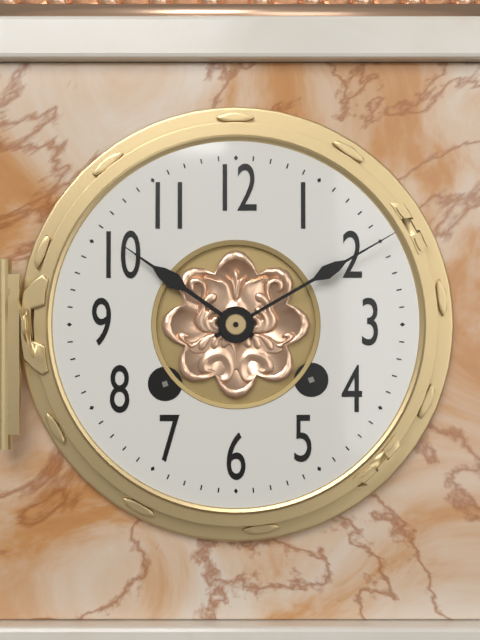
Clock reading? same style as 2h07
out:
10h10
